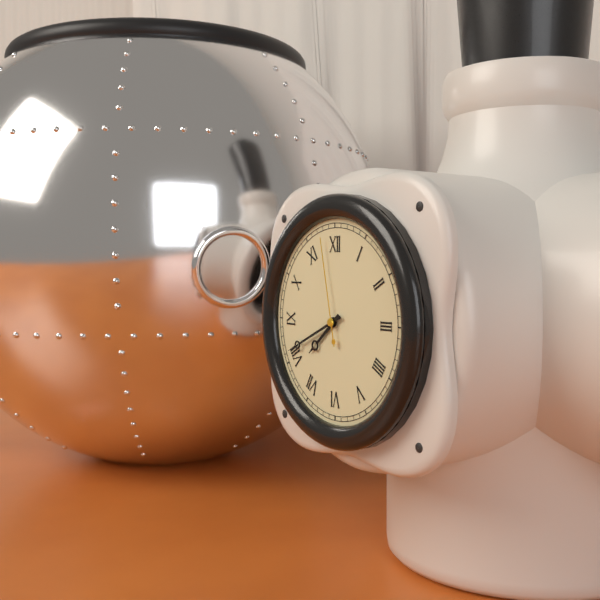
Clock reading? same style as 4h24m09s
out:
7h41m58s
